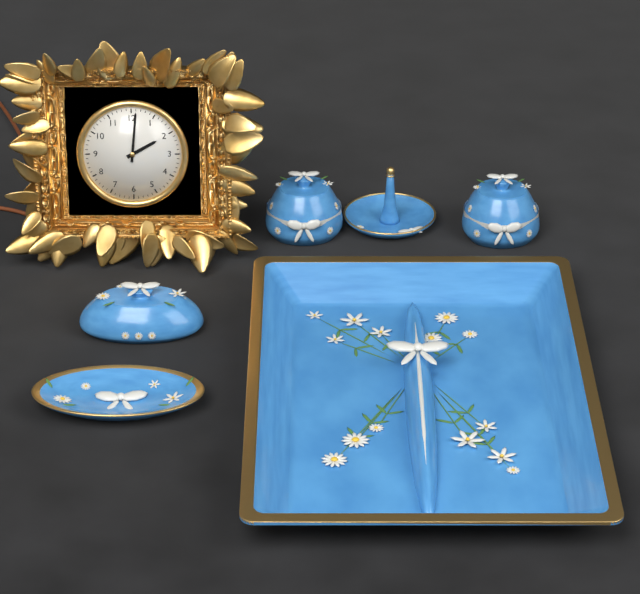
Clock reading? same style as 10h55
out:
2h01
